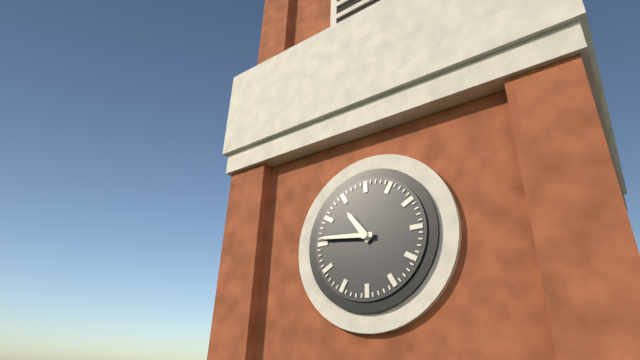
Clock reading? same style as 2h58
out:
10h46
